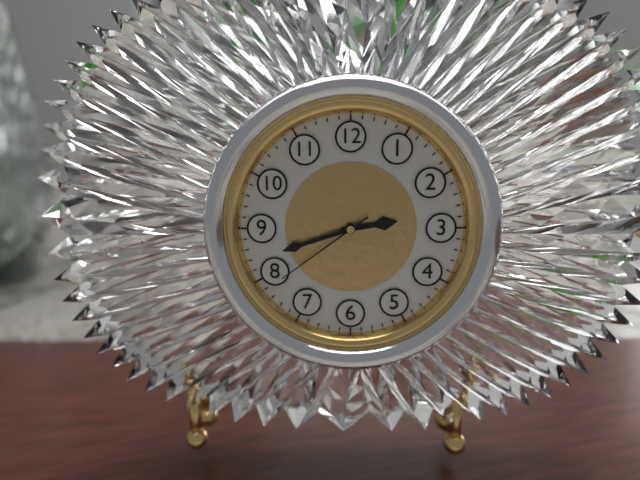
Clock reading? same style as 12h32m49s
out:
2h42m39s
